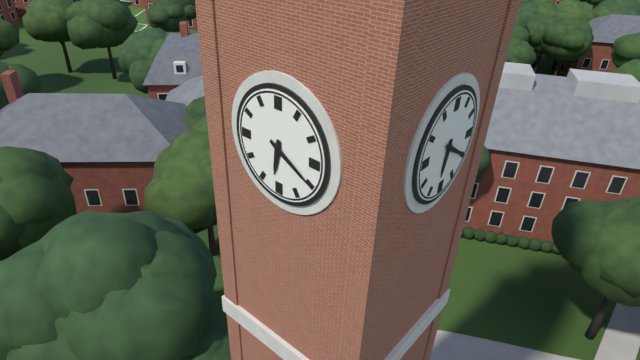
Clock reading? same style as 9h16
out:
6h20
